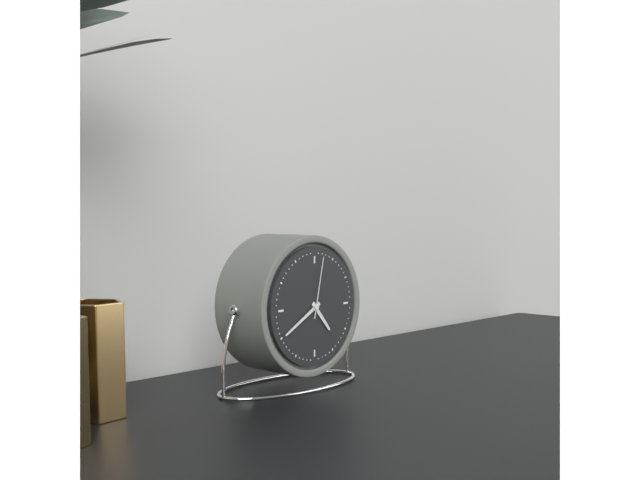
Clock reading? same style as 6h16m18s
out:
4h40m02s
